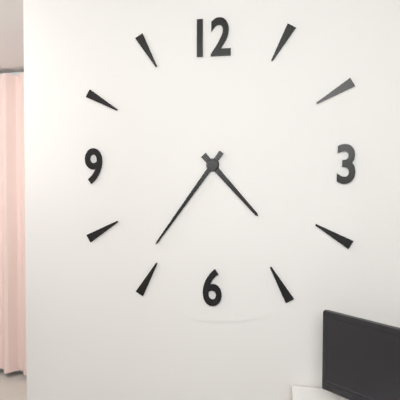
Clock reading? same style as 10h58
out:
4h36
